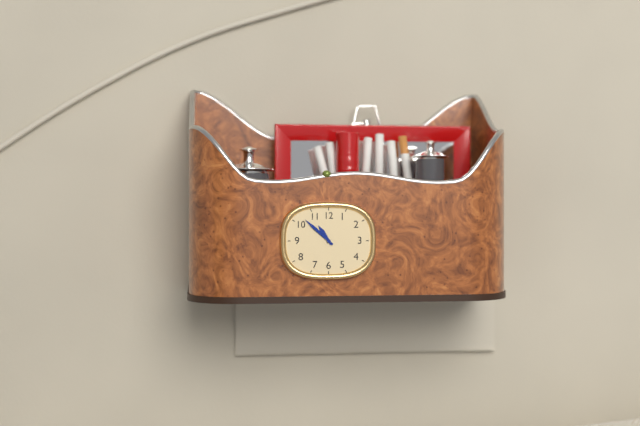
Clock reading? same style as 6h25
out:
10h52
